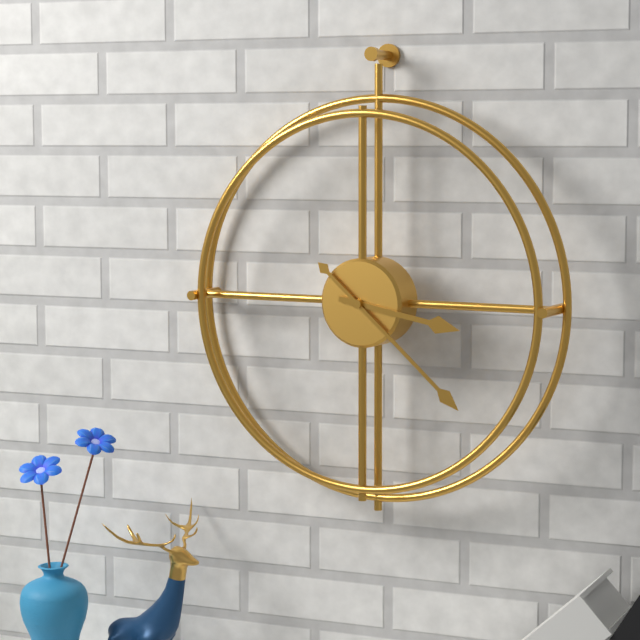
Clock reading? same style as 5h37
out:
3h22
